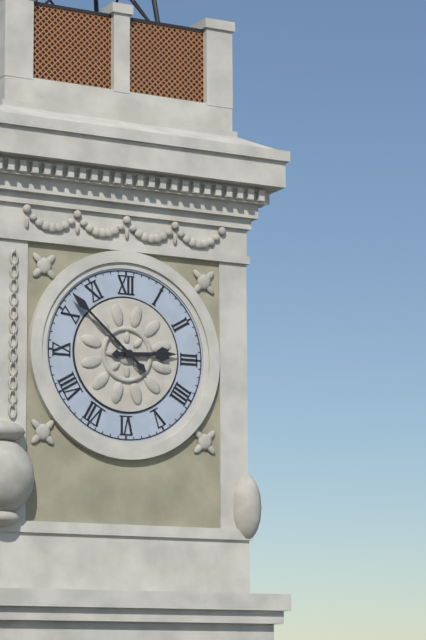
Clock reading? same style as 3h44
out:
2h52
